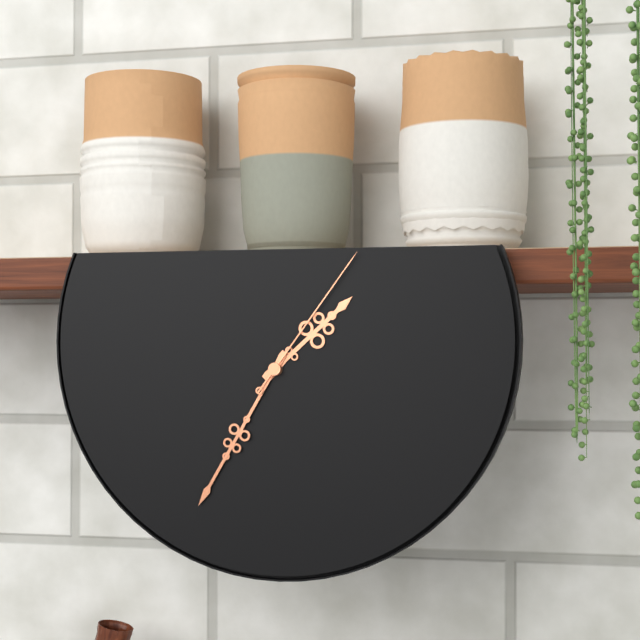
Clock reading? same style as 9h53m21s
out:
1h35m06s
